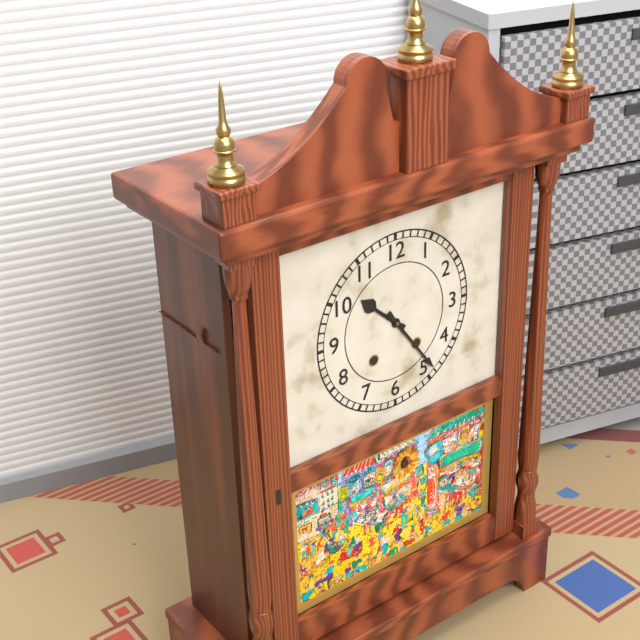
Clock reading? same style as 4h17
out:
10h24
